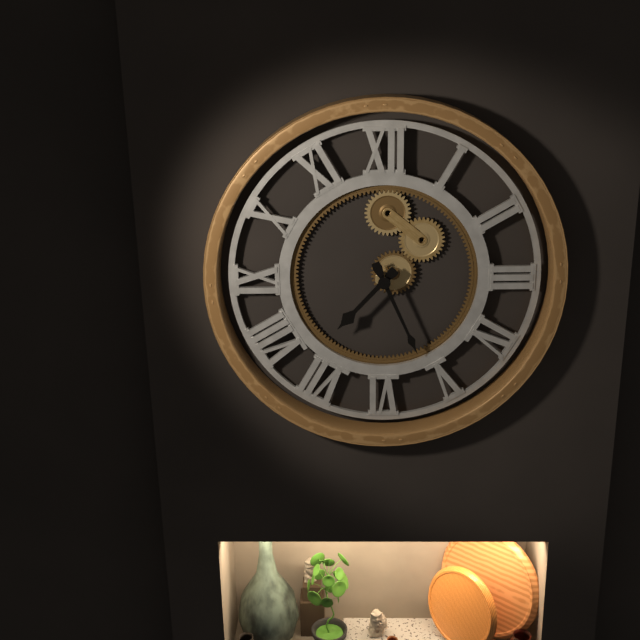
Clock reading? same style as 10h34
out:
7h26
